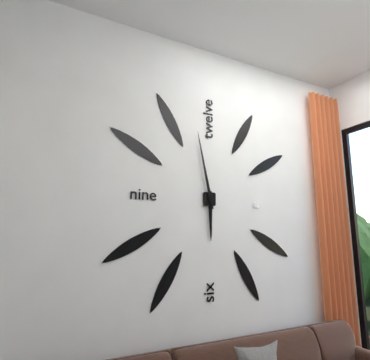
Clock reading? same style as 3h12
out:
5h58
